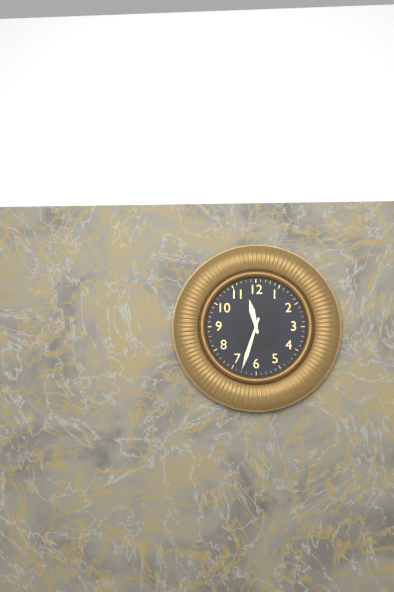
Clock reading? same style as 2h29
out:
11h33
